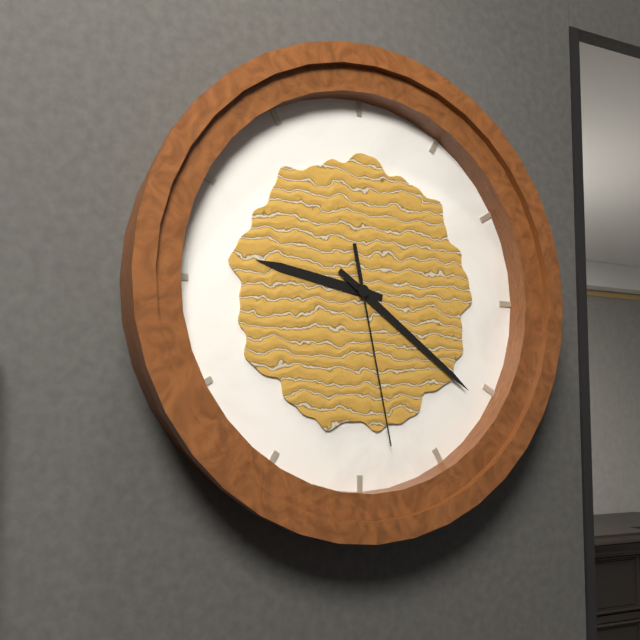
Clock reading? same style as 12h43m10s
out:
9h21m28s
